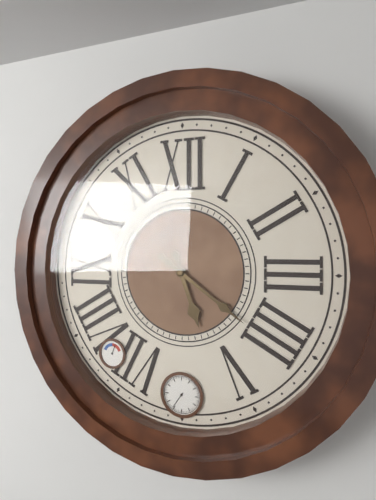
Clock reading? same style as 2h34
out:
5h21
